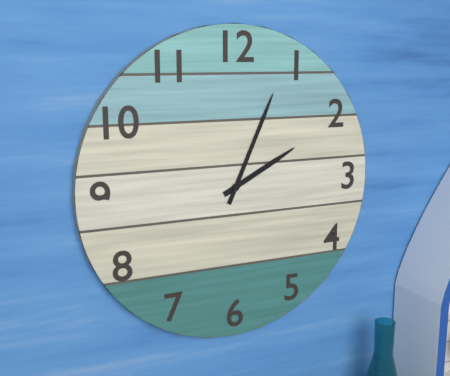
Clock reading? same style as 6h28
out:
2h04
